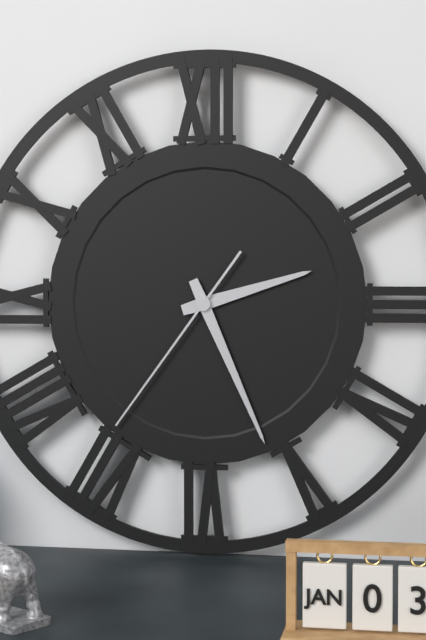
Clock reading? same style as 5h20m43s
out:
2h26m36s
